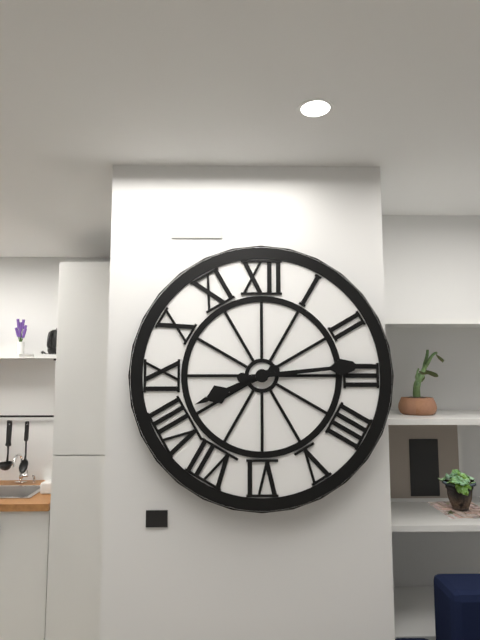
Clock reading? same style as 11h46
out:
8h14
